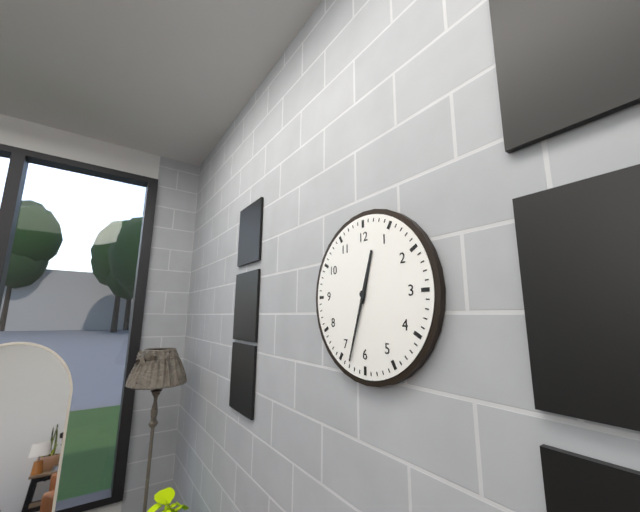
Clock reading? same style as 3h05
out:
12h33
